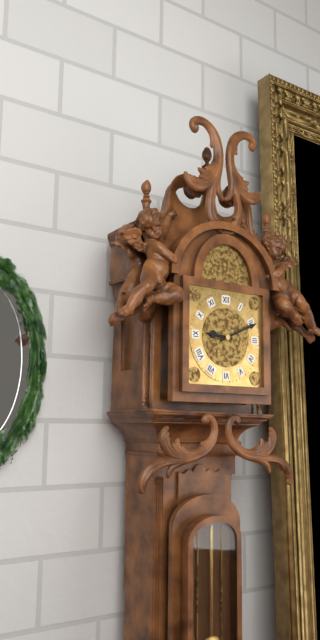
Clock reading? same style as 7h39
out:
9h11
